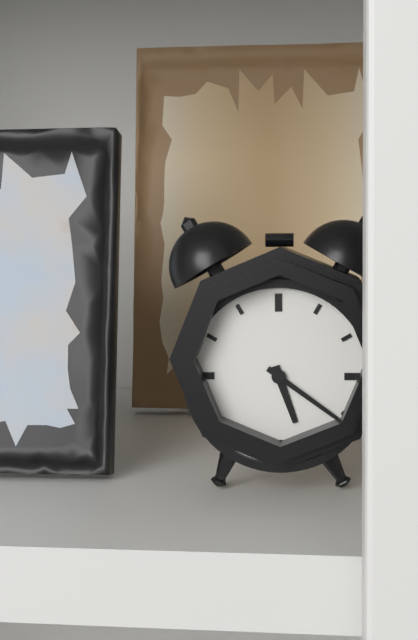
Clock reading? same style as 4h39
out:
5h21
